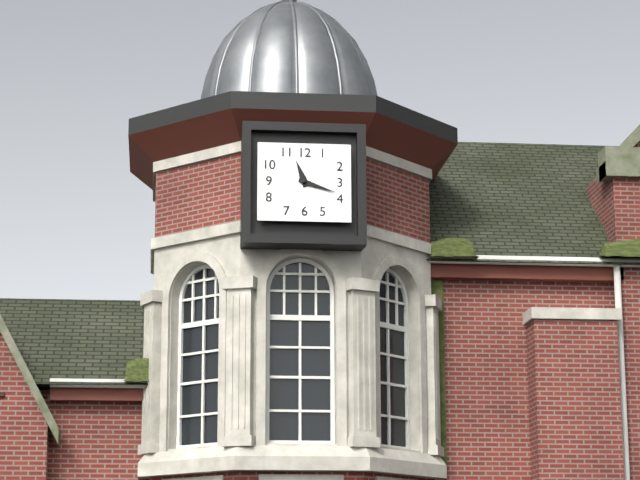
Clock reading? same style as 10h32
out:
11h18
